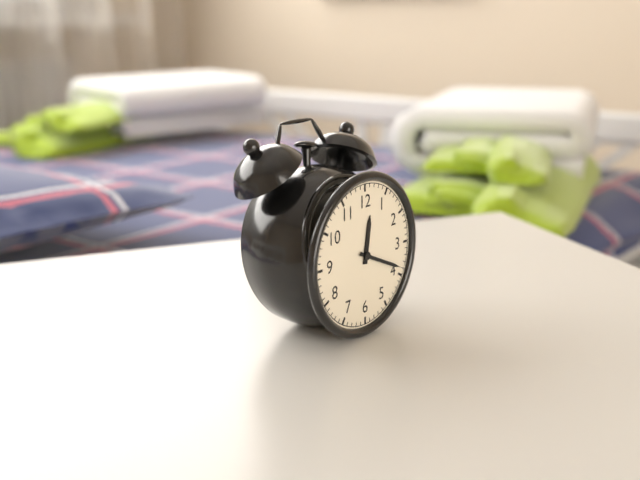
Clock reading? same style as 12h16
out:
12h19
